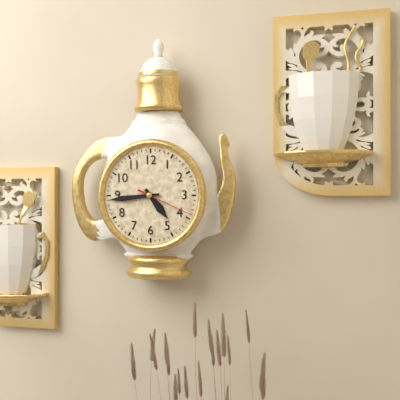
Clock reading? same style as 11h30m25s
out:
4h44m19s
